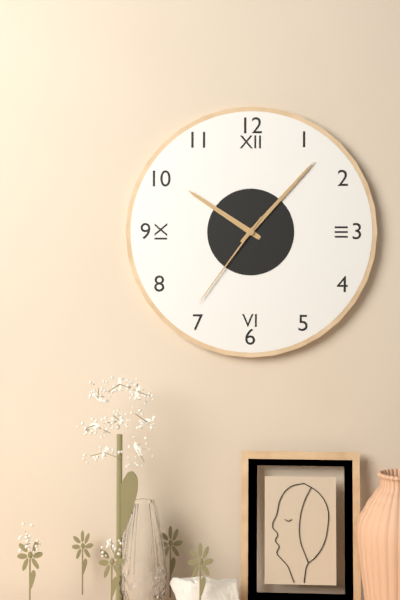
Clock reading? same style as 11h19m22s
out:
10h07m36s
